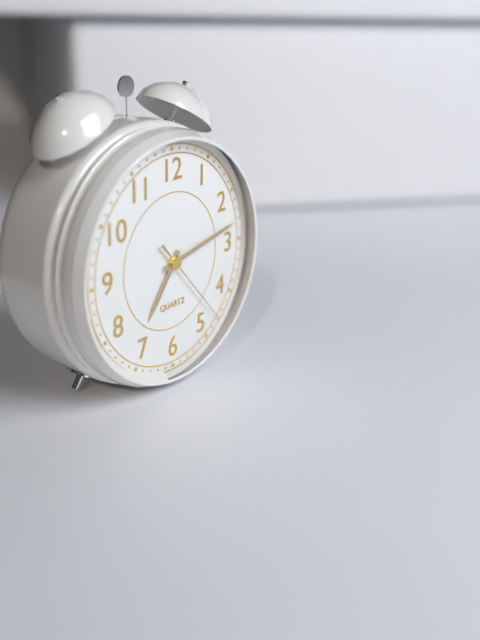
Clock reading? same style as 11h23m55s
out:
7h13m23s
